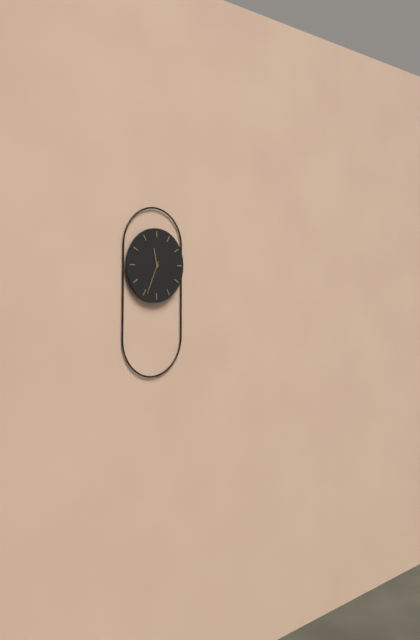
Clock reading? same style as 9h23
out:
11h34
